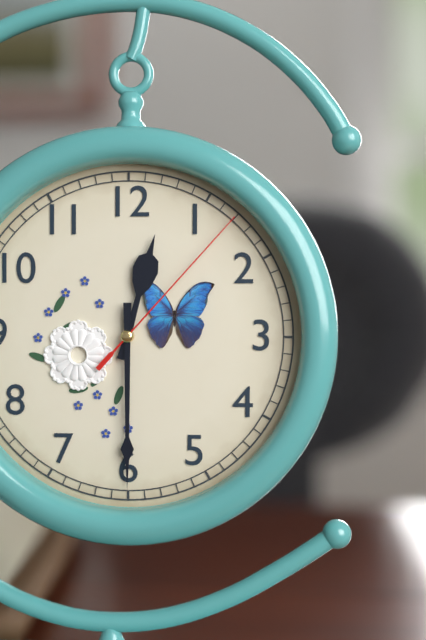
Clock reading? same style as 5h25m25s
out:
12h30m07s
